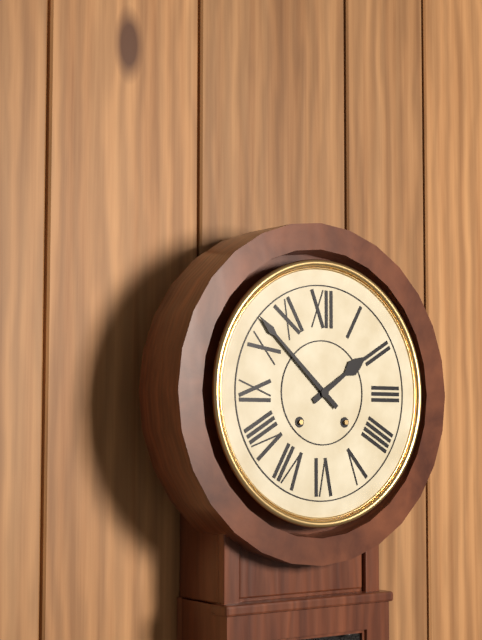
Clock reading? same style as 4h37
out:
1h52
